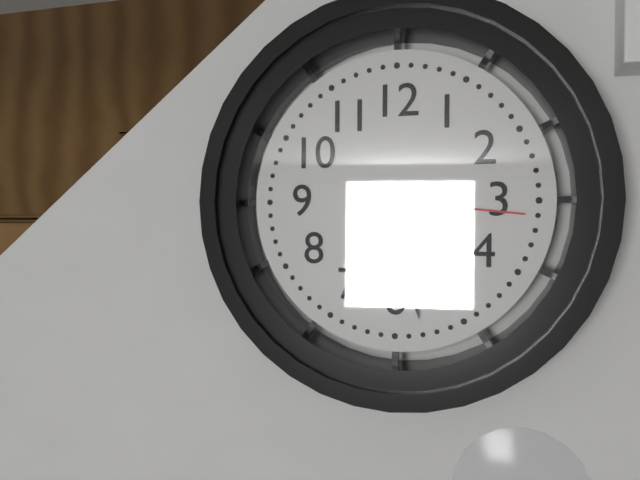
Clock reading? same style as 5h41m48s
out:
5h28m16s
